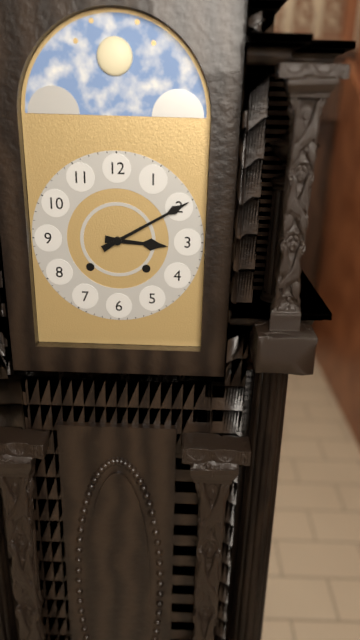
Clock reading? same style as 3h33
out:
3h10
